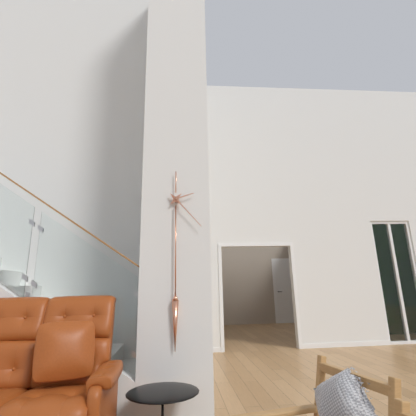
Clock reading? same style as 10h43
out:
2h23
